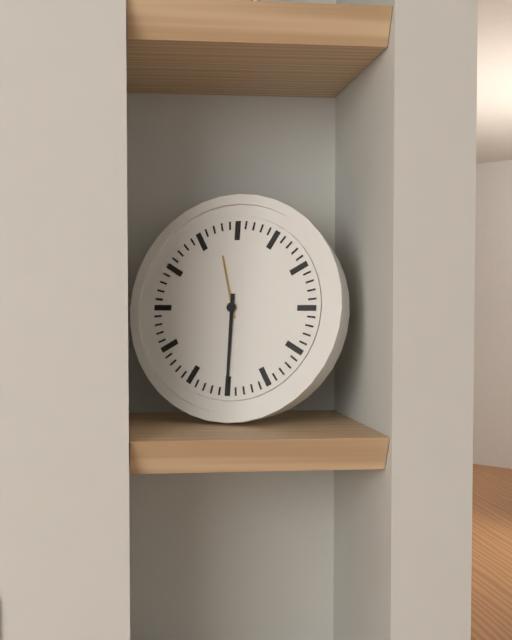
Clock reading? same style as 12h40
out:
11h30
